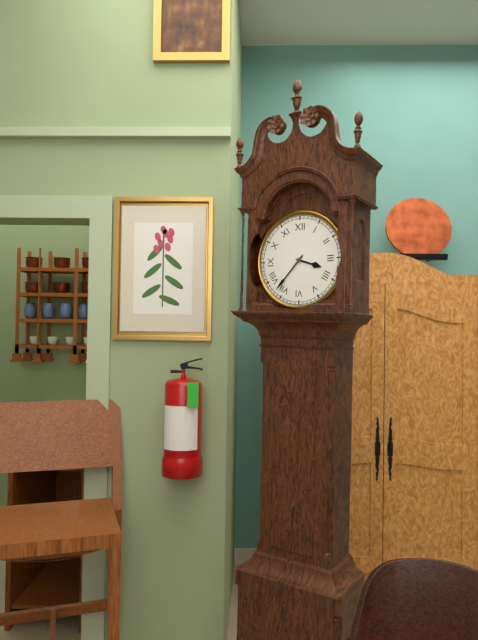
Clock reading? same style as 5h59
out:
3h37
